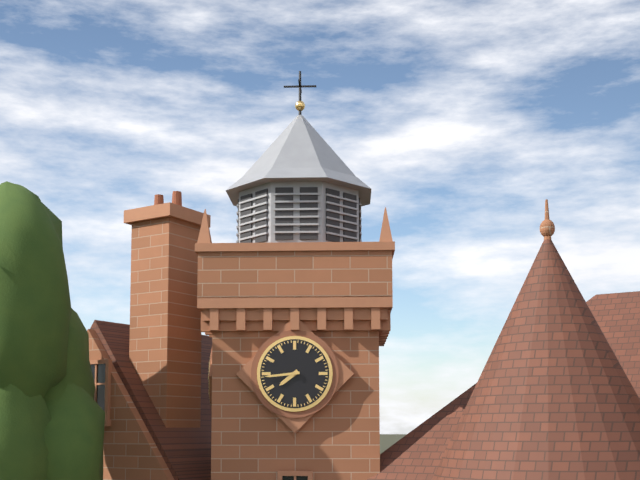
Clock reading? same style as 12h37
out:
7h44
